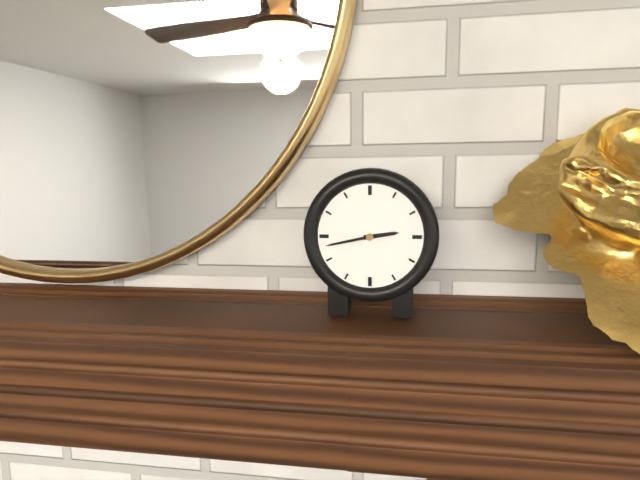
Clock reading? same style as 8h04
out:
2h43
